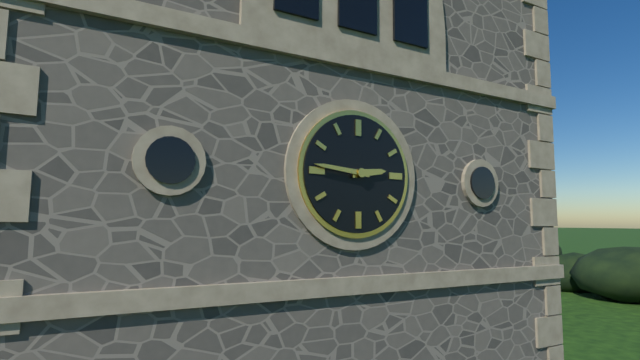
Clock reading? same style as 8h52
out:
2h46
